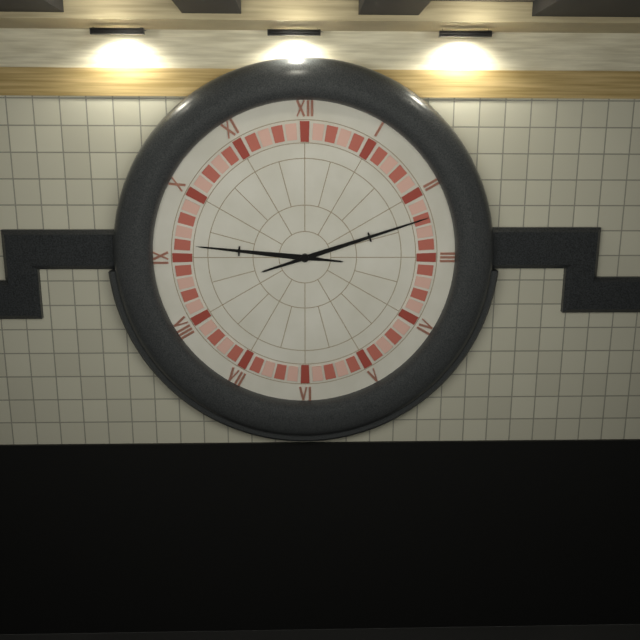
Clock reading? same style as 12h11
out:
9h12
